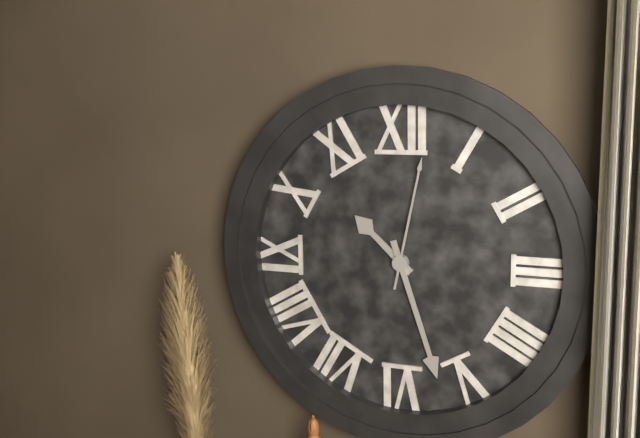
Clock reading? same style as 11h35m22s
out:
10h27m02s
